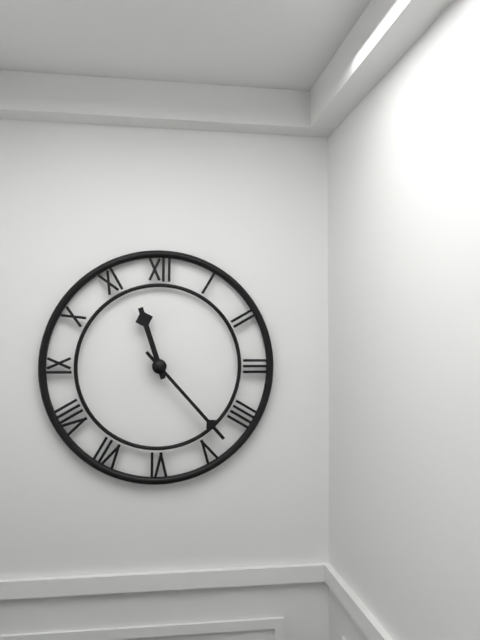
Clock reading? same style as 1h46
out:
11h23
